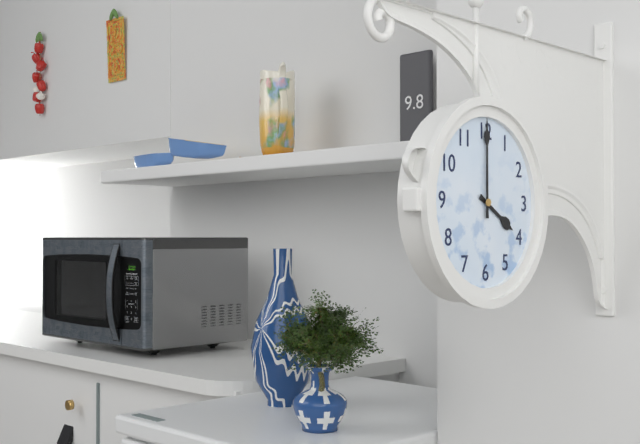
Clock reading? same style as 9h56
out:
4h00
